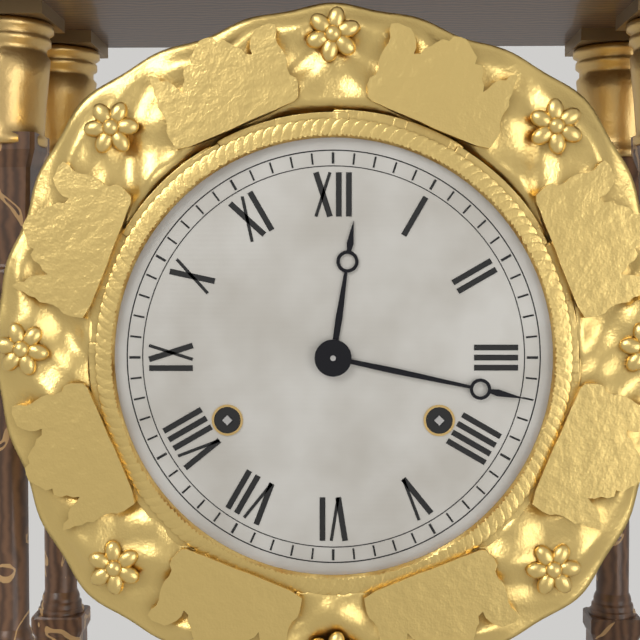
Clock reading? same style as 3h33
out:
12h17
